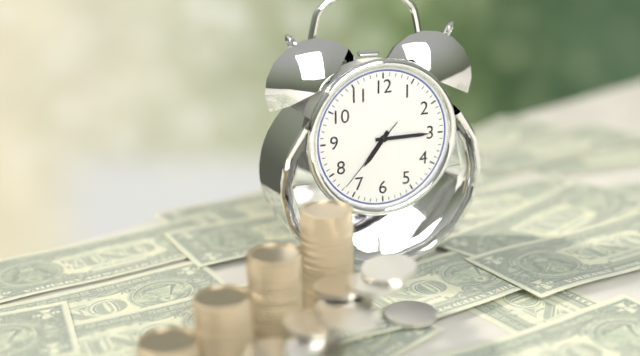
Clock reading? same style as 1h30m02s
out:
7h15m37s
